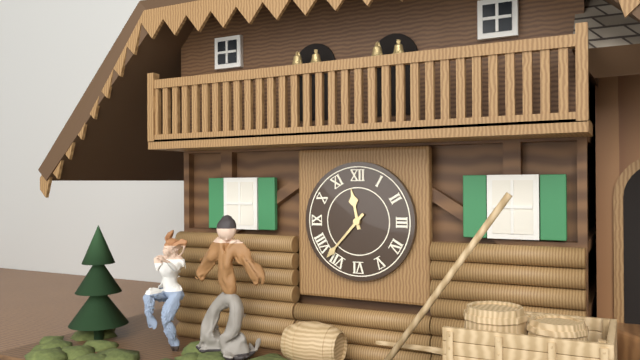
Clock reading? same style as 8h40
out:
11h37
